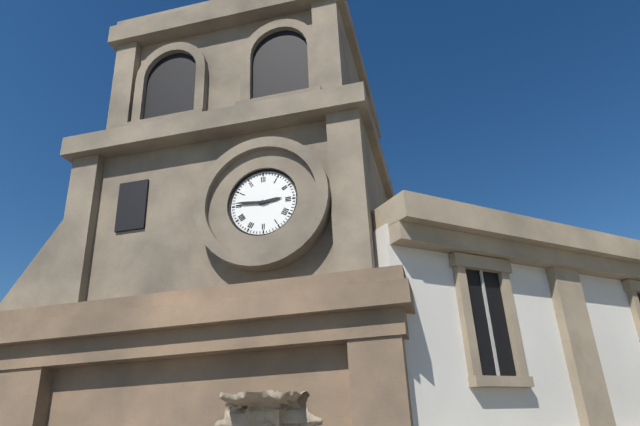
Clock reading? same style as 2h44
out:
2h46
